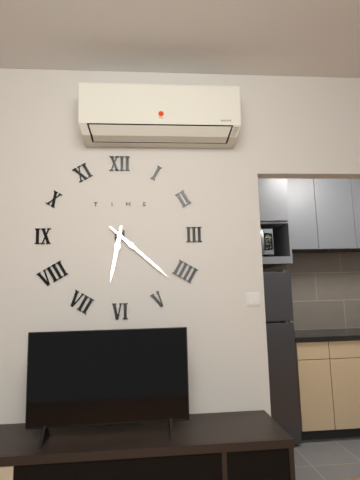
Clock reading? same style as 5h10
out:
6h22
